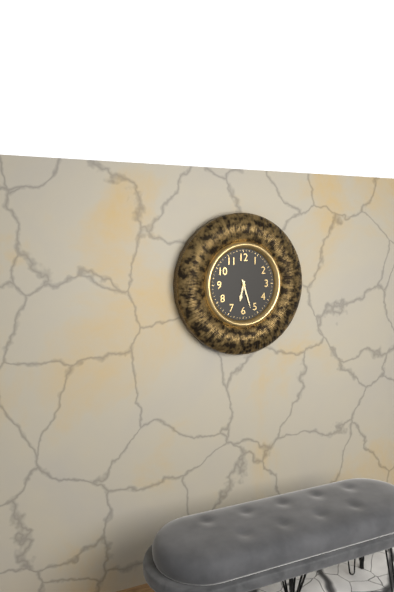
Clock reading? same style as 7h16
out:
6h27
